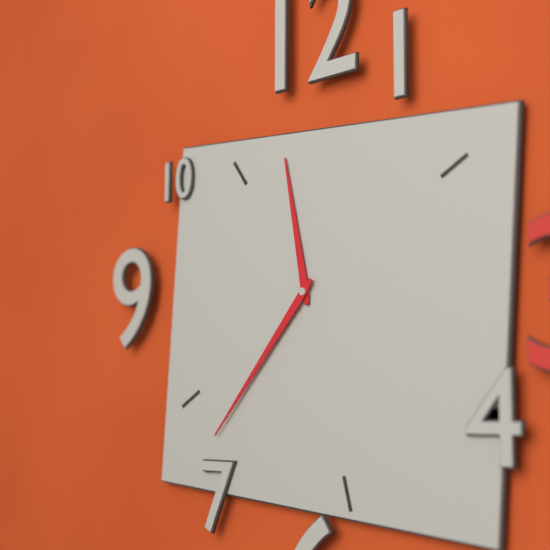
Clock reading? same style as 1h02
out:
11h37
